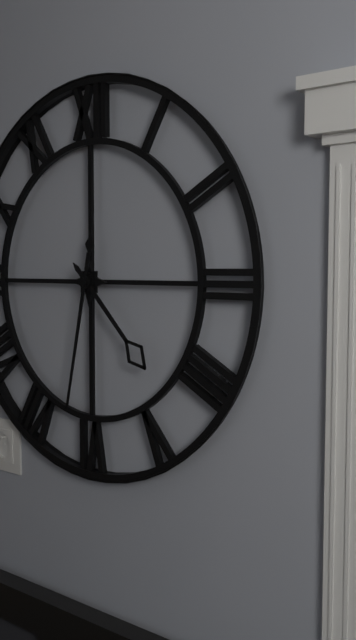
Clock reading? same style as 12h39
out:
4h32
